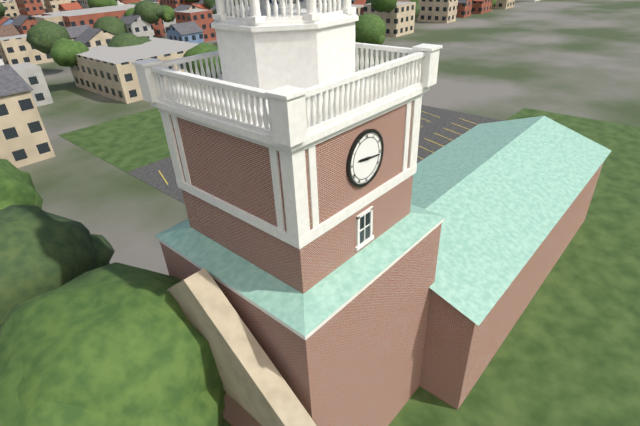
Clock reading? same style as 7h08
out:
9h16
